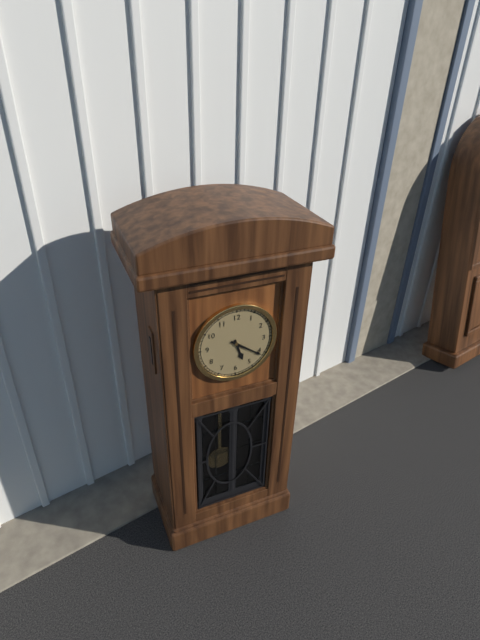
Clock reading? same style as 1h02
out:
5h21
